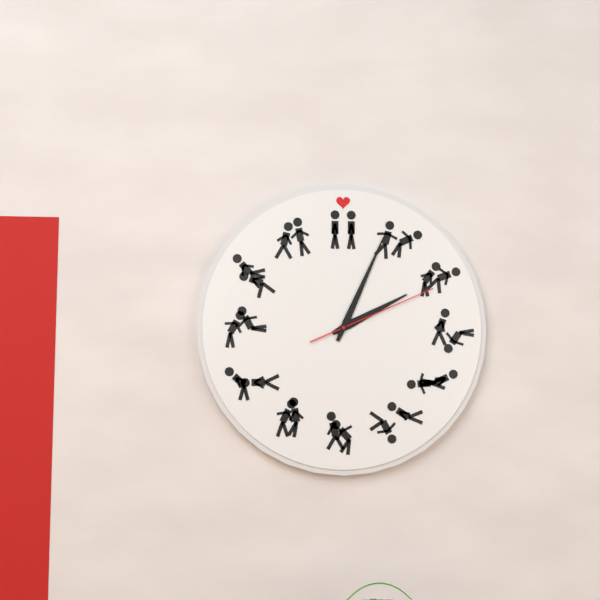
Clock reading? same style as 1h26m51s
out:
2h04m11s
